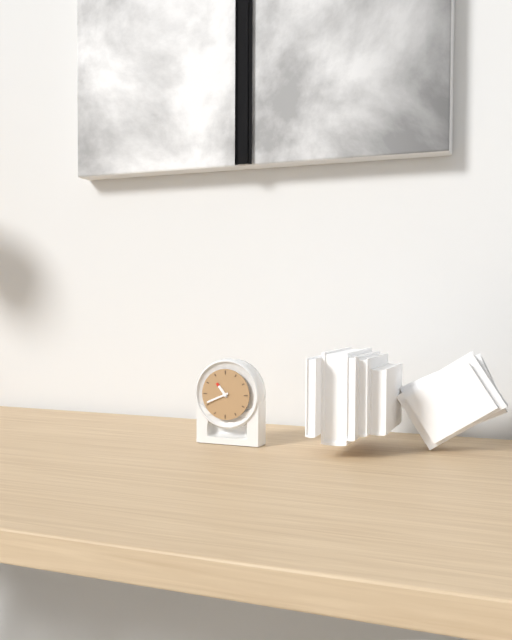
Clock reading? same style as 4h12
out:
10h41
